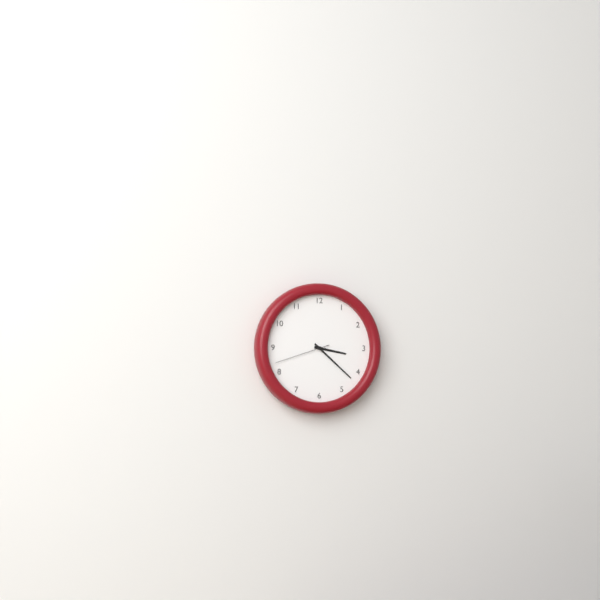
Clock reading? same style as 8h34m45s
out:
3h22m42s
